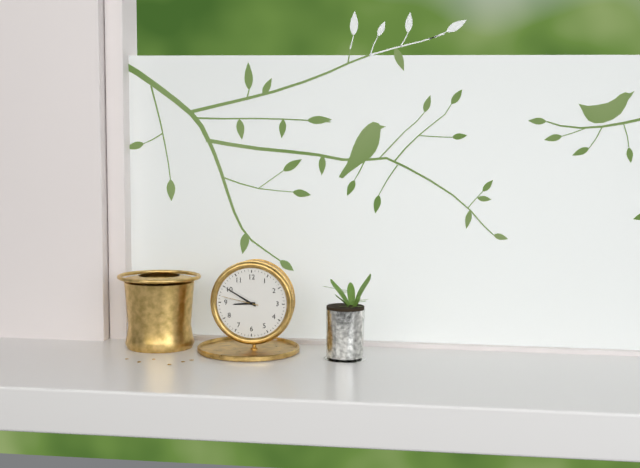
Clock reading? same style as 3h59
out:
8h50
